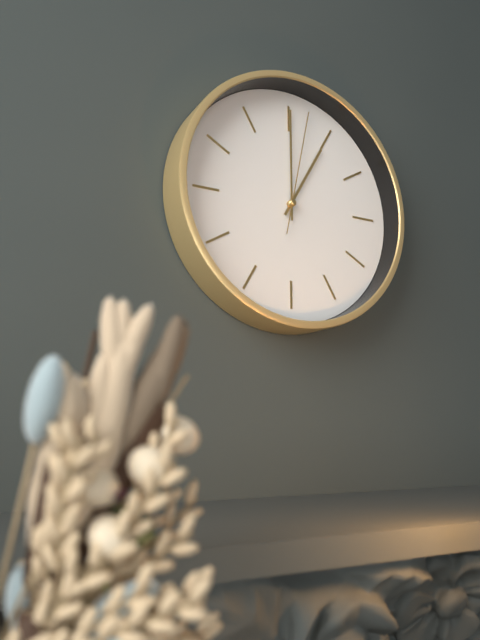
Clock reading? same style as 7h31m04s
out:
1h00m02s
